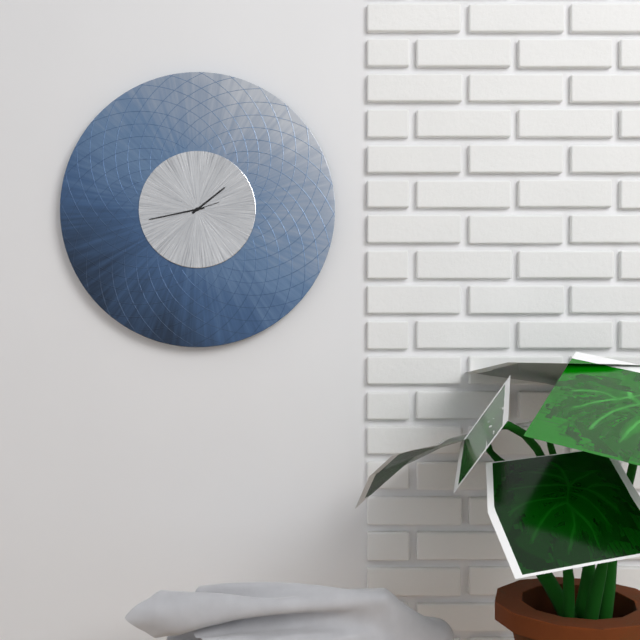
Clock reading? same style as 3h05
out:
1h43
